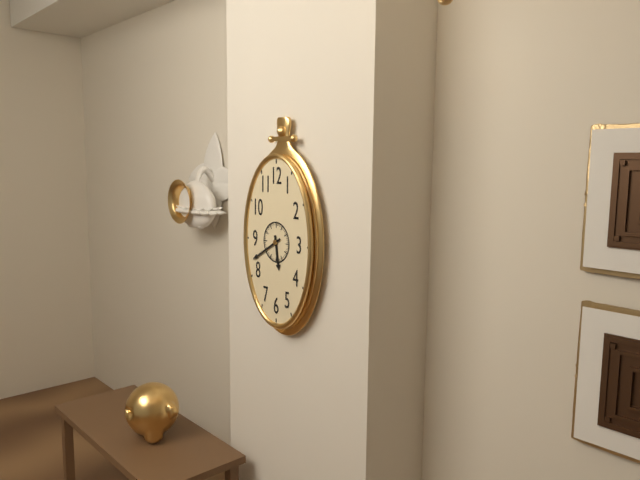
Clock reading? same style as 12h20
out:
5h40
